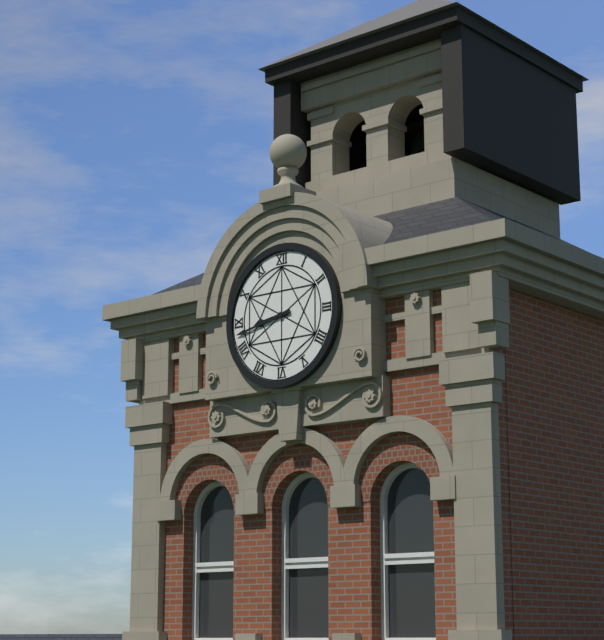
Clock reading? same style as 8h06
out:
8h43
